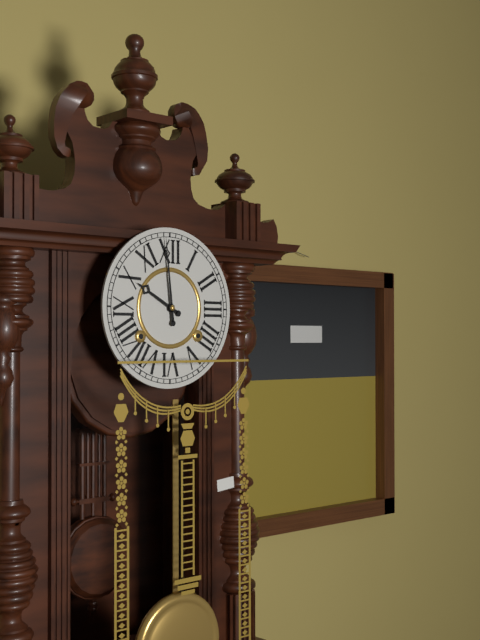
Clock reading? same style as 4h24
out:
9h59
